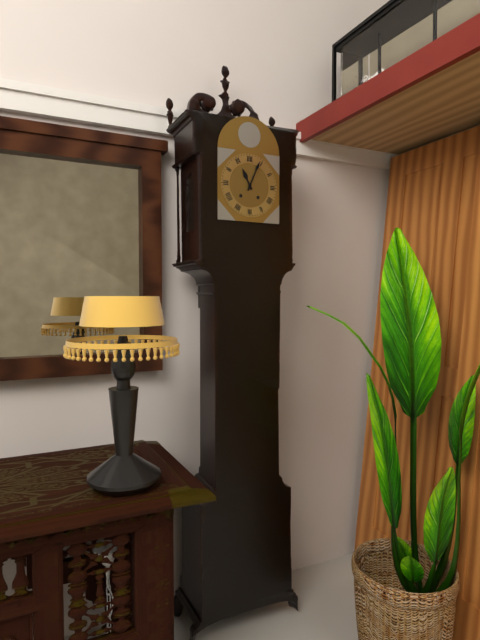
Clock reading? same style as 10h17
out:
11h04
